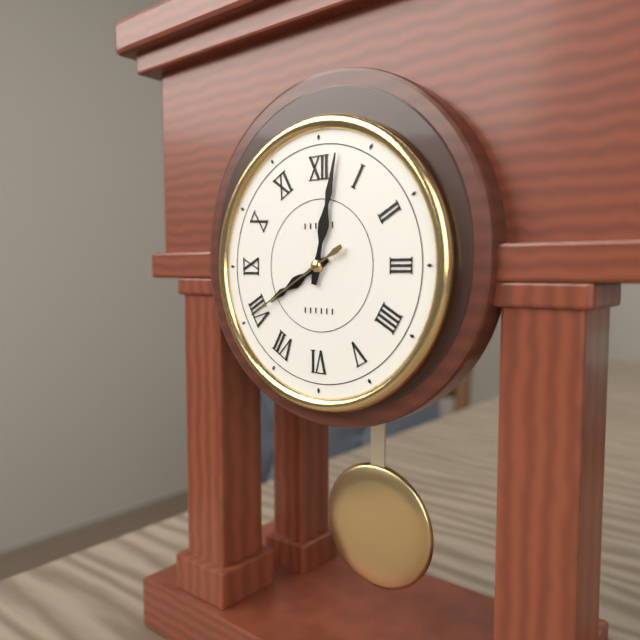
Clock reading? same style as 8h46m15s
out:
8h02m40s
